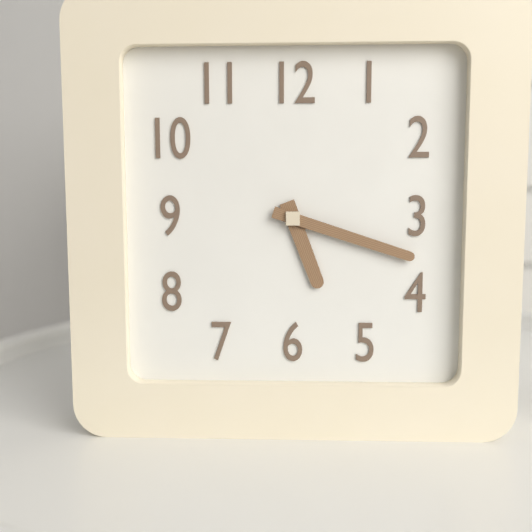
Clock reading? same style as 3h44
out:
5h18
